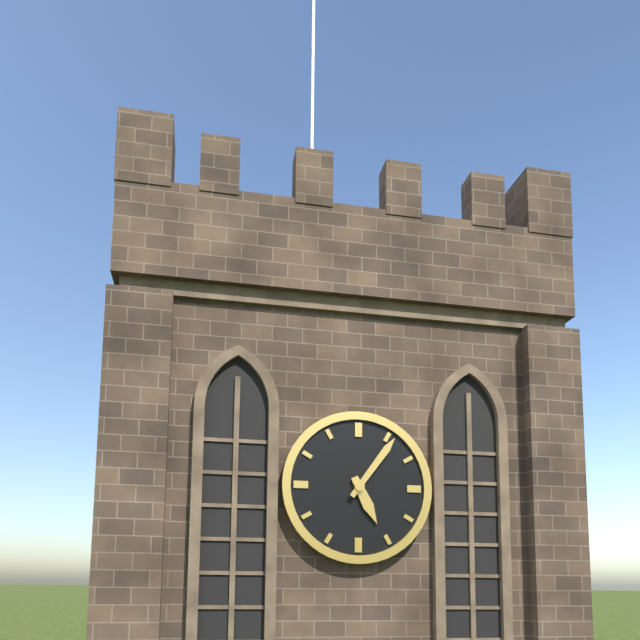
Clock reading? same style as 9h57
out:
5h06
